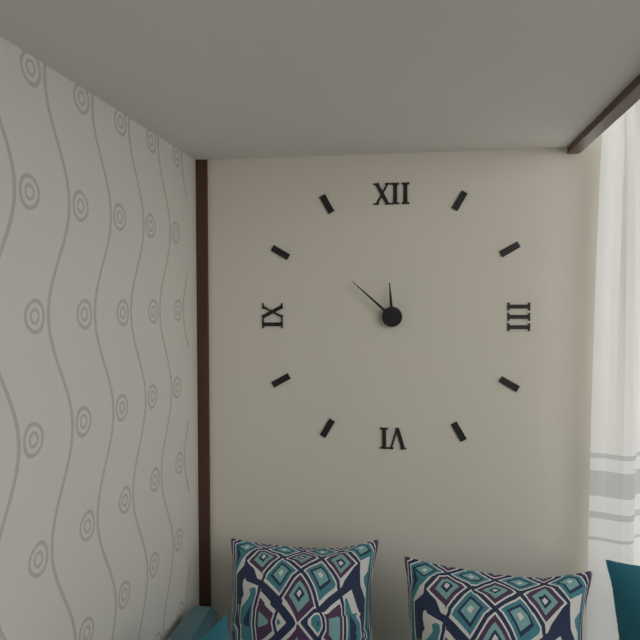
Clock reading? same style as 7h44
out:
11h52
